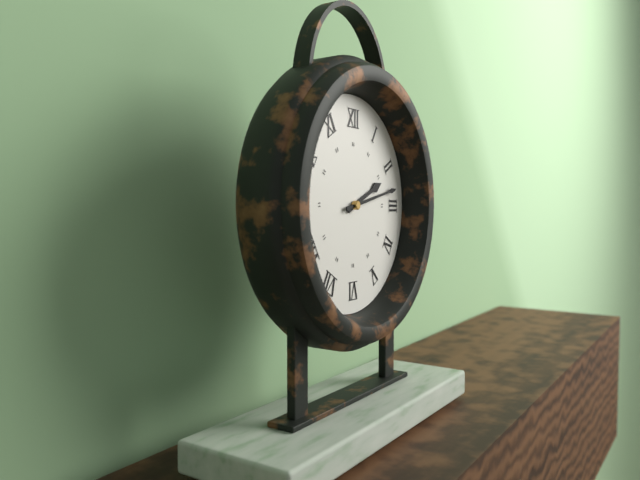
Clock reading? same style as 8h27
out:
2h13
